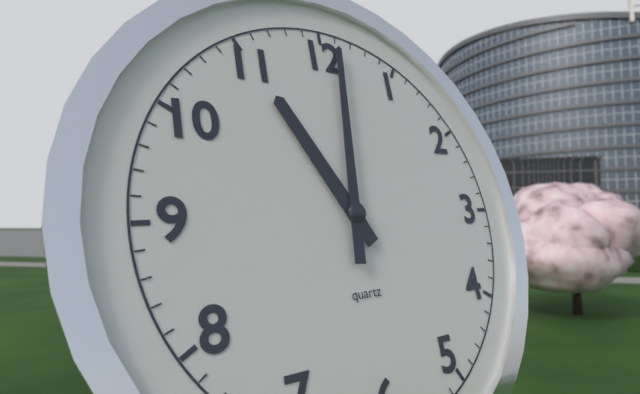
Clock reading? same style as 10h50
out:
11h01
